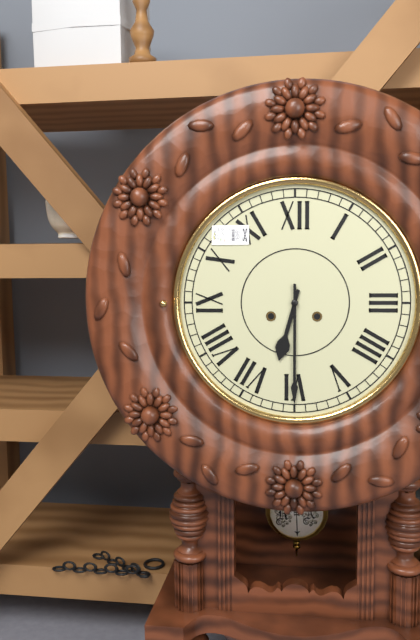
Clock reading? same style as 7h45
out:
6h30
